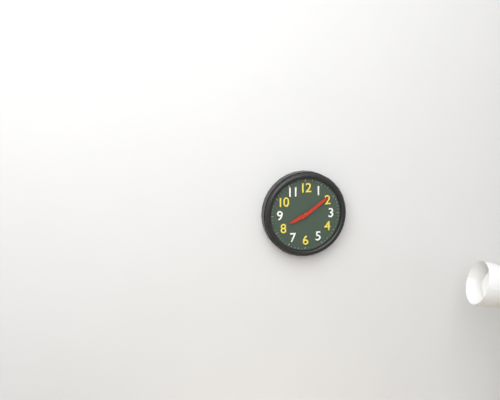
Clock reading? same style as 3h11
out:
8h09
